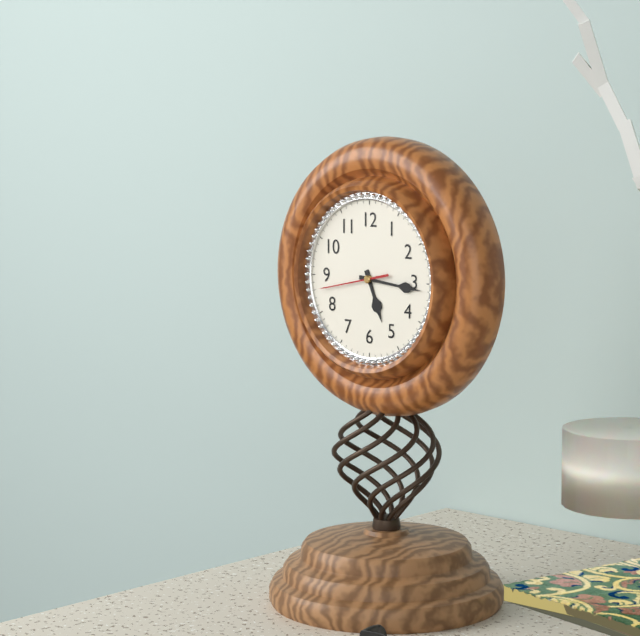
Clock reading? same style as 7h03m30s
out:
5h16m43s
